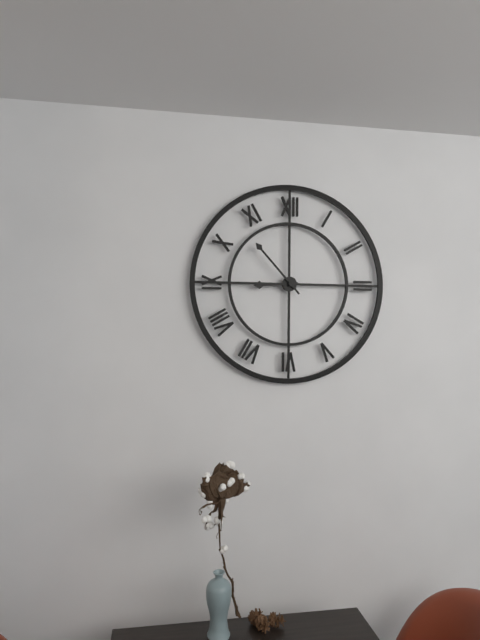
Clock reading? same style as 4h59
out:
8h53
